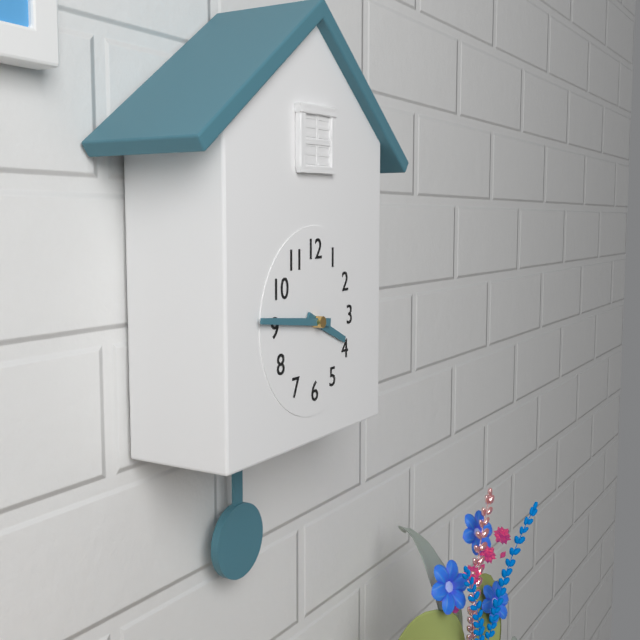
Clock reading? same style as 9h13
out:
3h46
